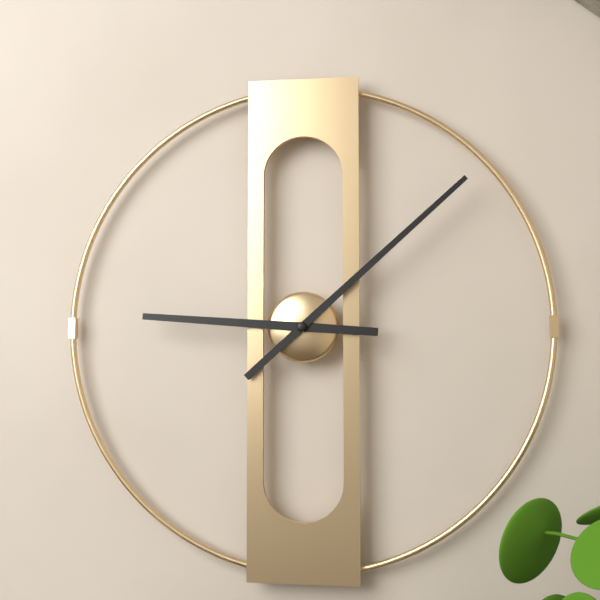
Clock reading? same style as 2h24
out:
9h08
